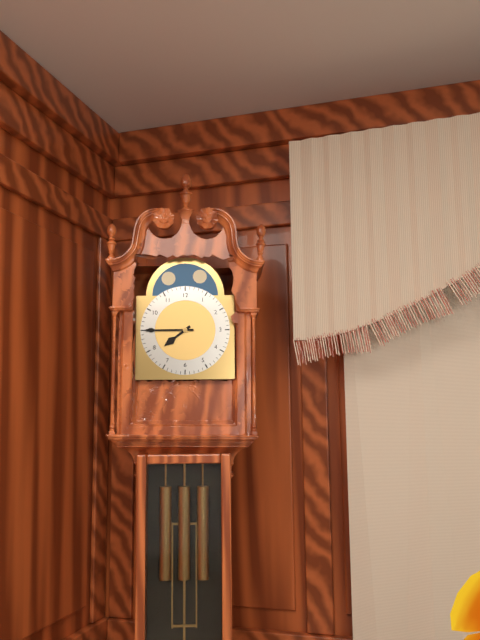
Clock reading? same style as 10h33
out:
7h45
